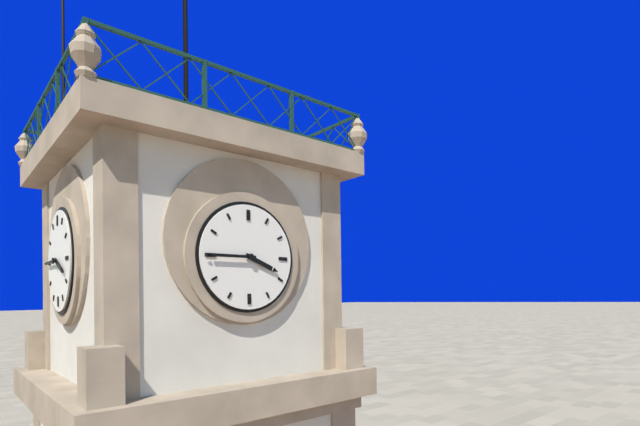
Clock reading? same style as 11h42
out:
3h45
